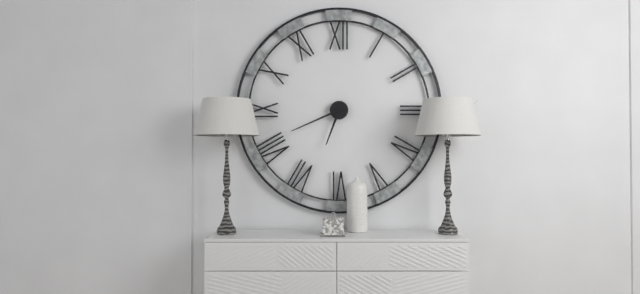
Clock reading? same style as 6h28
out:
6h41
